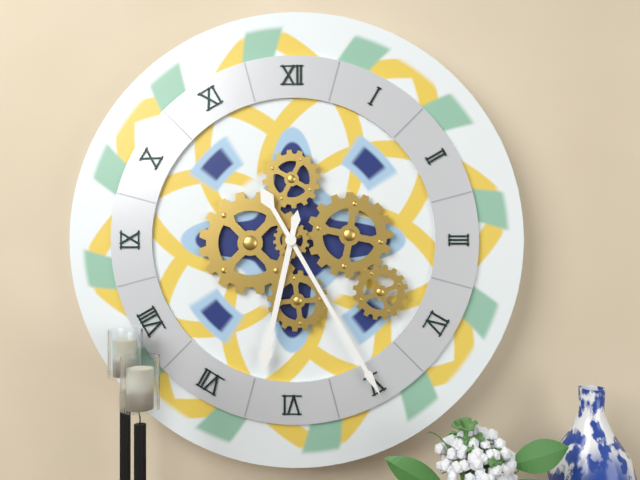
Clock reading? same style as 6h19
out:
6h25
